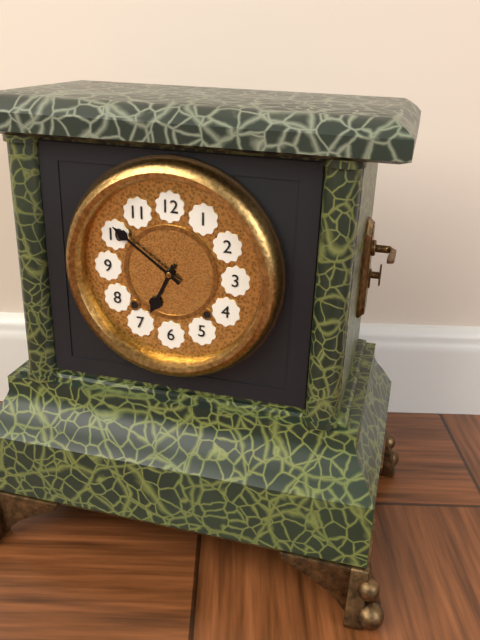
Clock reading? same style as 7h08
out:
6h51
